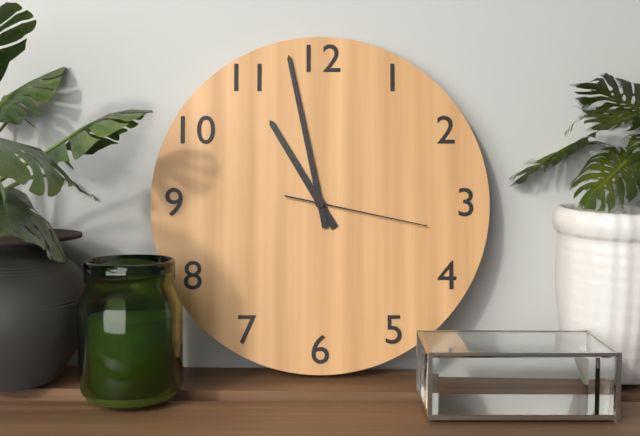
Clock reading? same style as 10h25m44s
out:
10h58m17s
